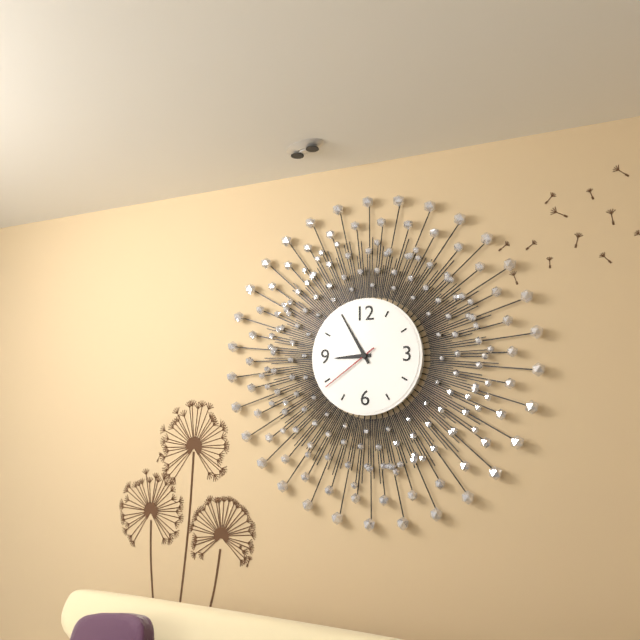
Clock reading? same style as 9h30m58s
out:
8h55m39s
